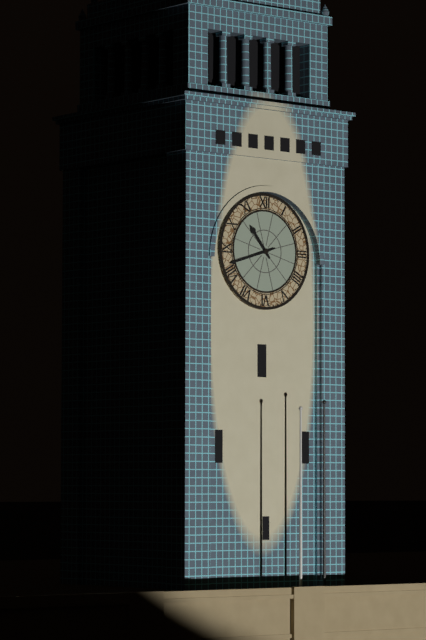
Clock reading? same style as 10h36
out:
10h42
